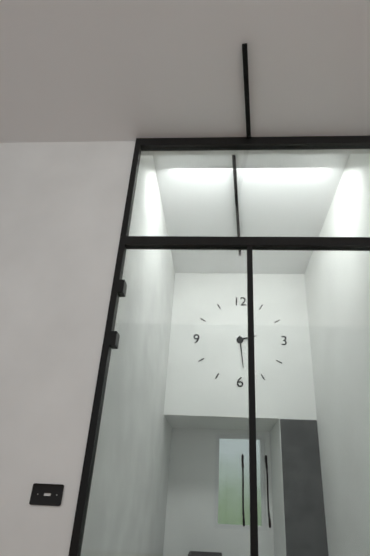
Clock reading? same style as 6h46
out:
2h29
